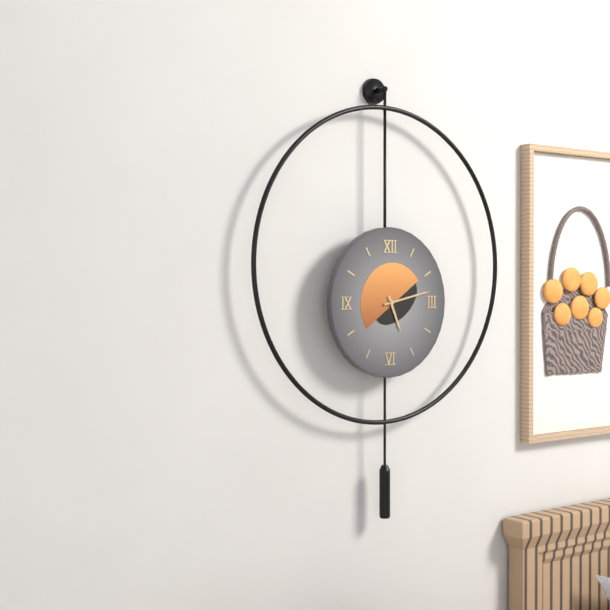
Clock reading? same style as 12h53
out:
5h13
